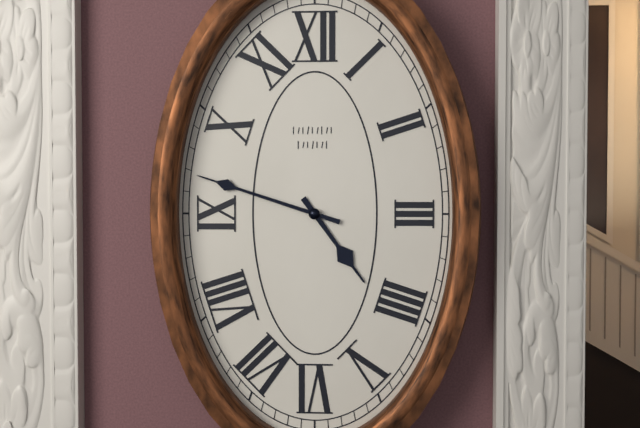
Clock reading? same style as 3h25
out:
4h48
